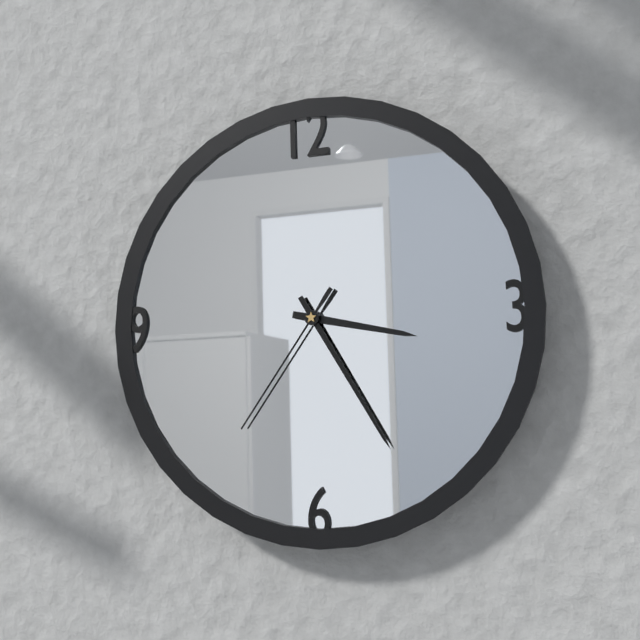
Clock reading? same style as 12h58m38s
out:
3h25m36s
